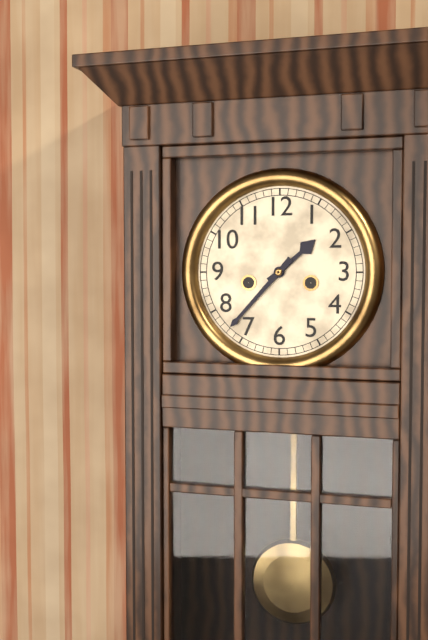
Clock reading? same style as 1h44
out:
1h37
